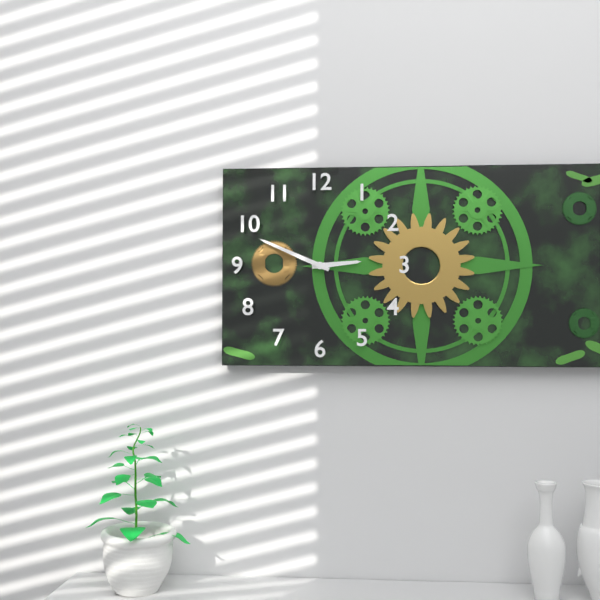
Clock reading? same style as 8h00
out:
2h49
